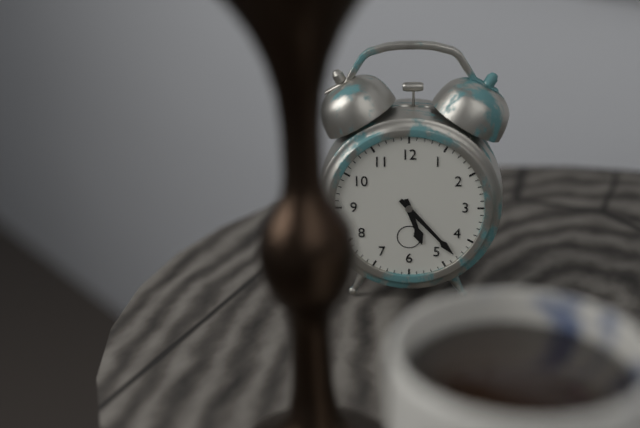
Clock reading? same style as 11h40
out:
5h23
